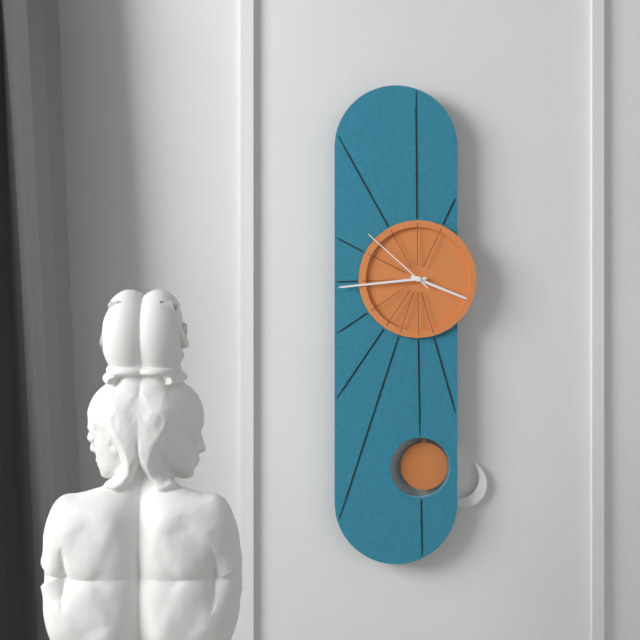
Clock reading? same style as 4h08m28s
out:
3h44m52s
